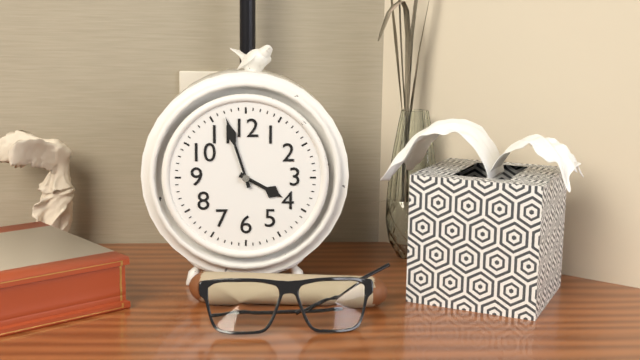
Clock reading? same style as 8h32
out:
3h57
